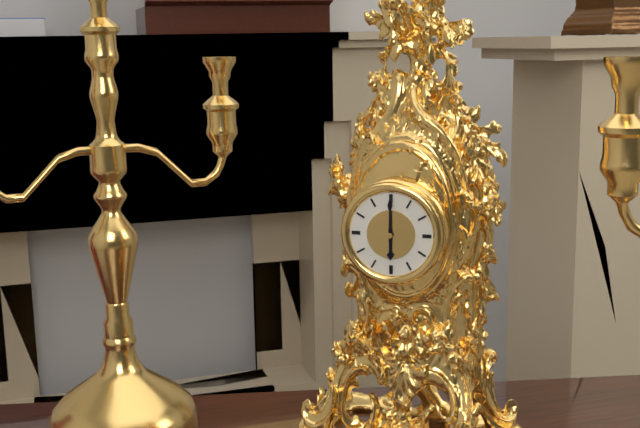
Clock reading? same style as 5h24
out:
6h00
